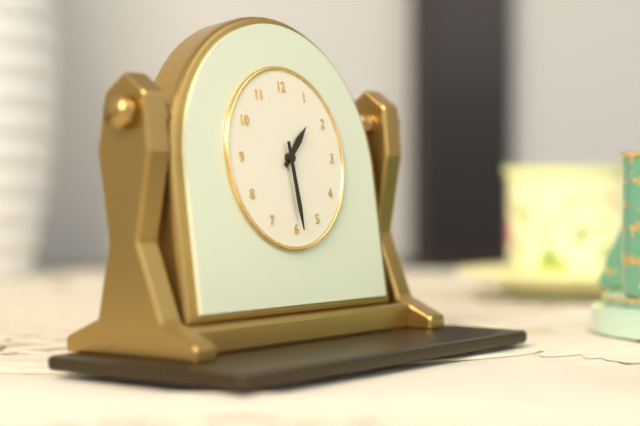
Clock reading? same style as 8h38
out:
1h29
